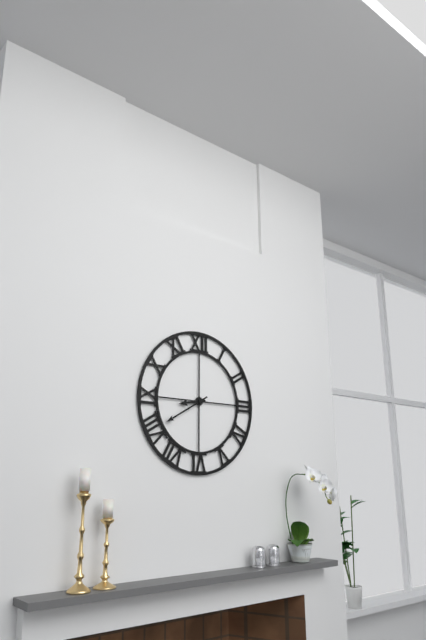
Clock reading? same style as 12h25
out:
8h40
